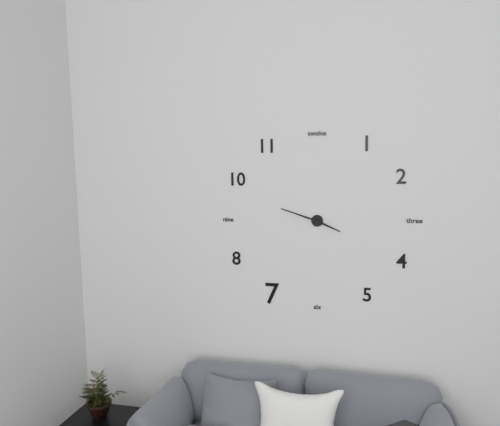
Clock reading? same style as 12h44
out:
3h48
